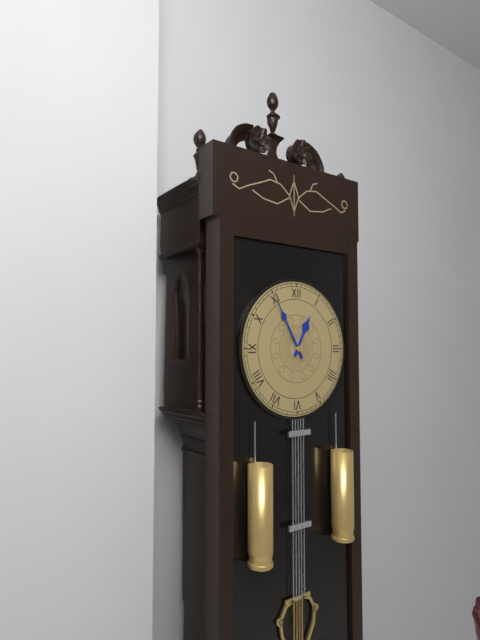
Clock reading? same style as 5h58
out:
12h55
